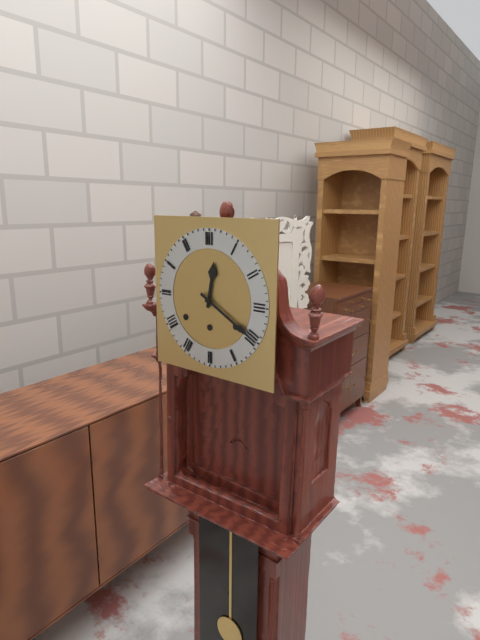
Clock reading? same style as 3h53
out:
12h20
